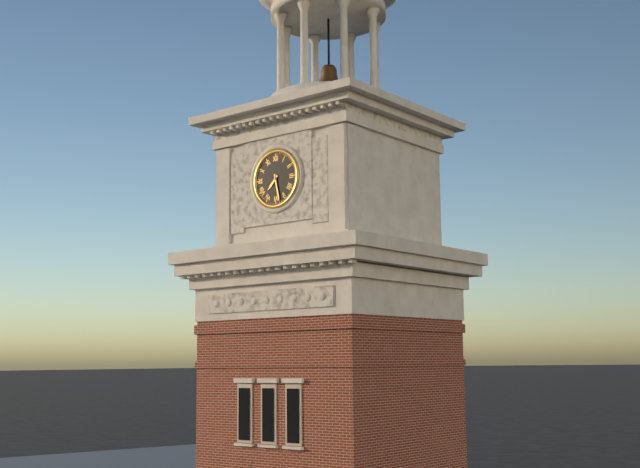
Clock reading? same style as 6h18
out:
7h28
